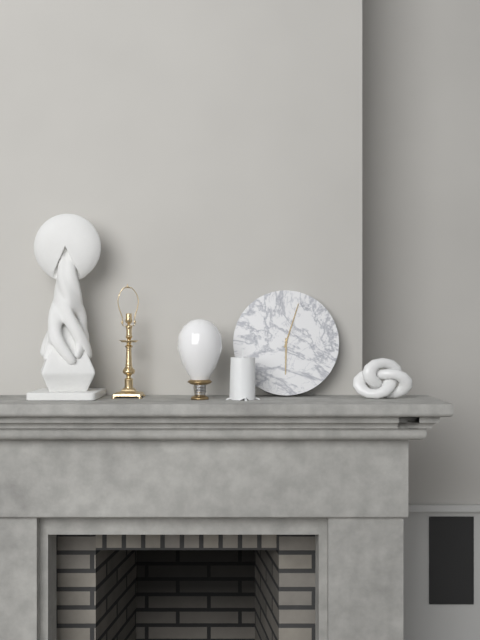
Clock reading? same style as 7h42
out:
6h03
